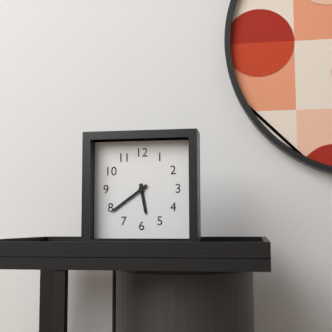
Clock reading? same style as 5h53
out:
5h39
